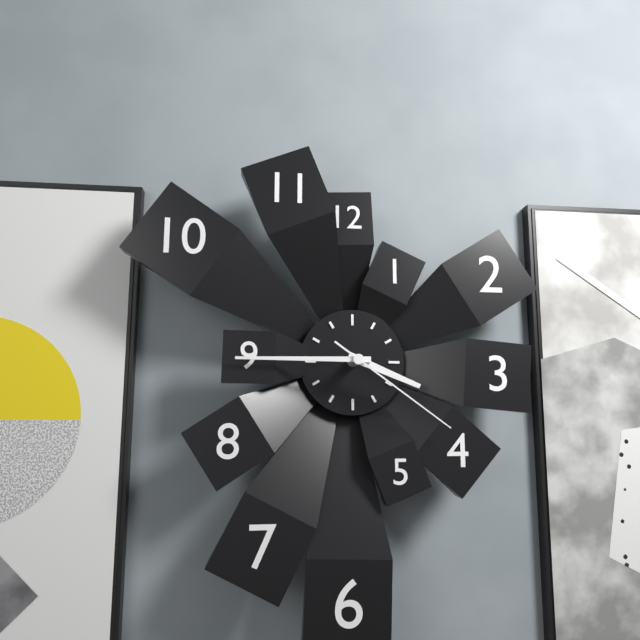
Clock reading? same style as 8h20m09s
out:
3h45m21s
